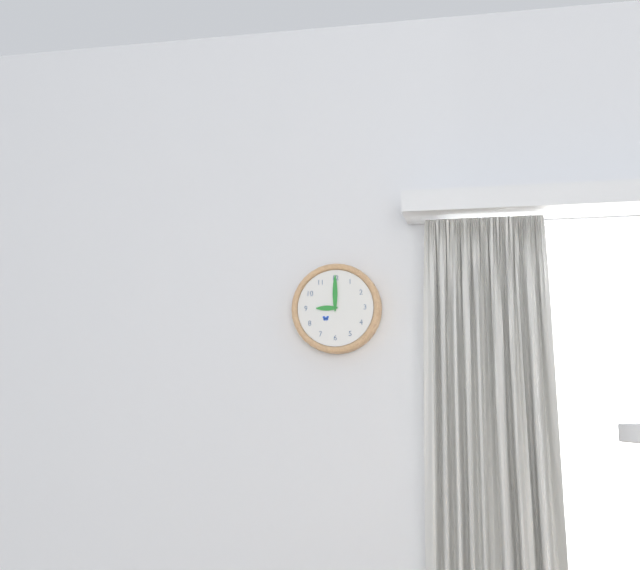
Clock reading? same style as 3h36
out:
9h00
